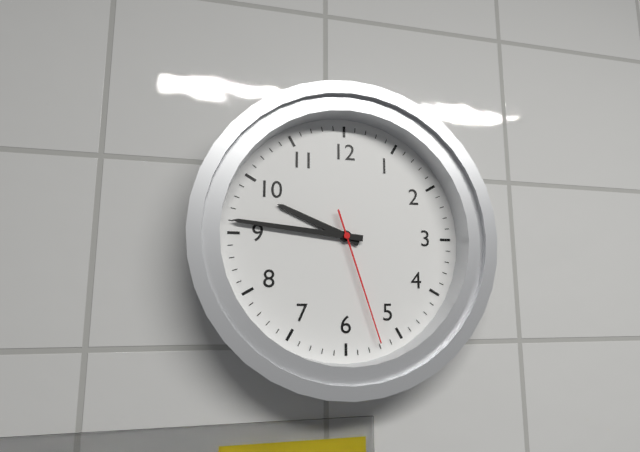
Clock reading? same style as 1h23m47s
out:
9h46m27s
